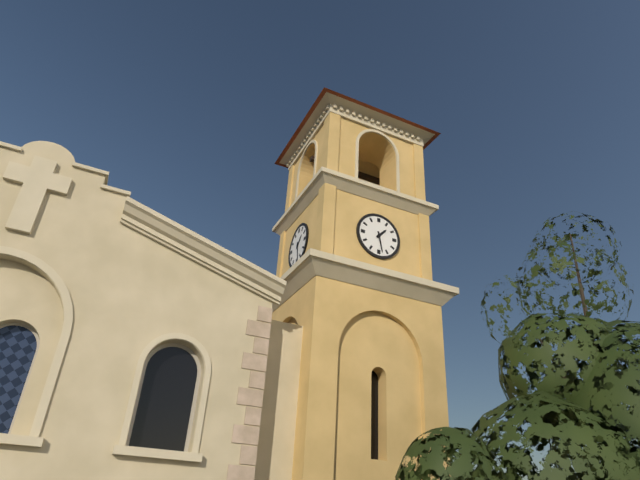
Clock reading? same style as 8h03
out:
1h28
